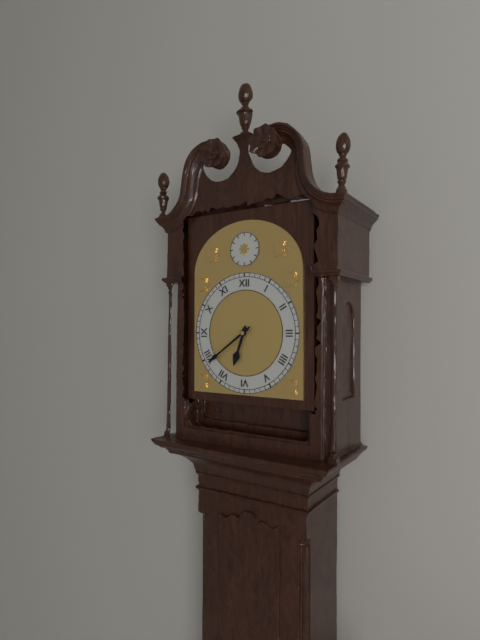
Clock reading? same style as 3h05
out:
6h39
